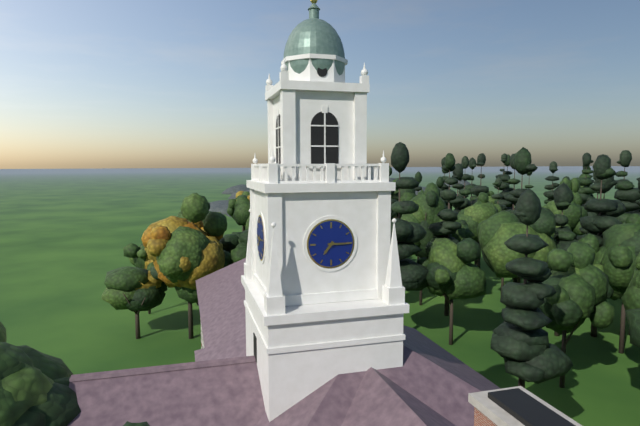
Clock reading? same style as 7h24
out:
7h15
